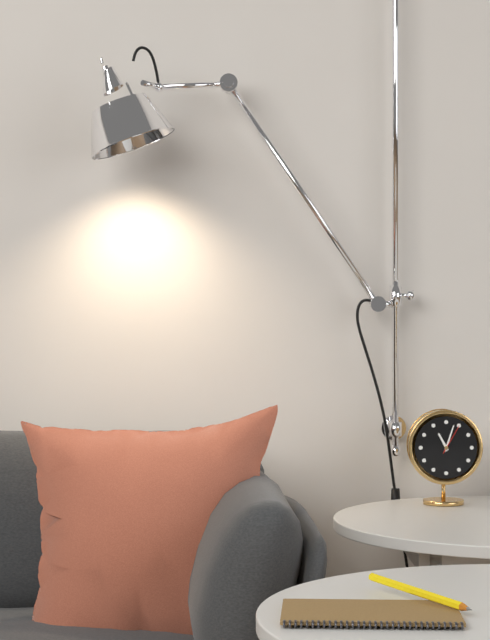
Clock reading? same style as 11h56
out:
11h03
